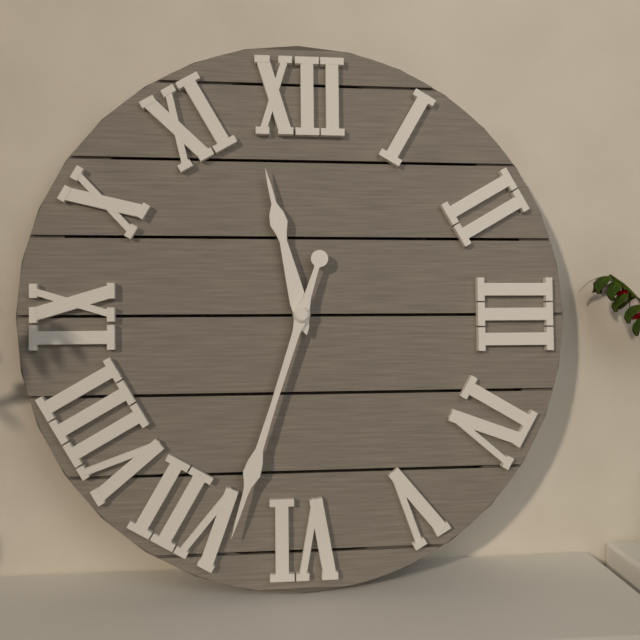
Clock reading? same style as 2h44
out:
11h33
